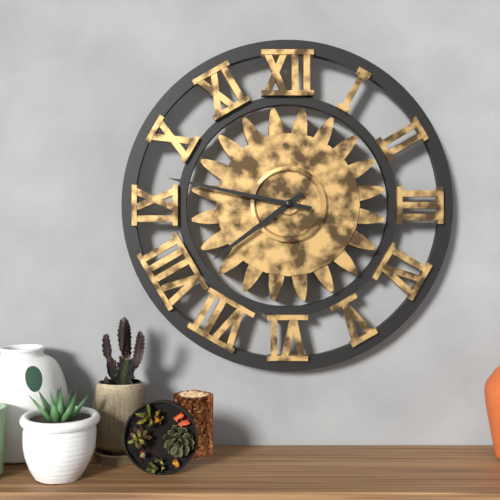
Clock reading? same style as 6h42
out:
7h47
